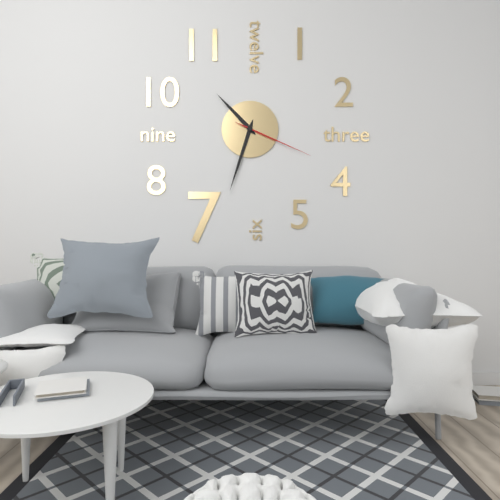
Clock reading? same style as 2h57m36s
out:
10h33m19s
